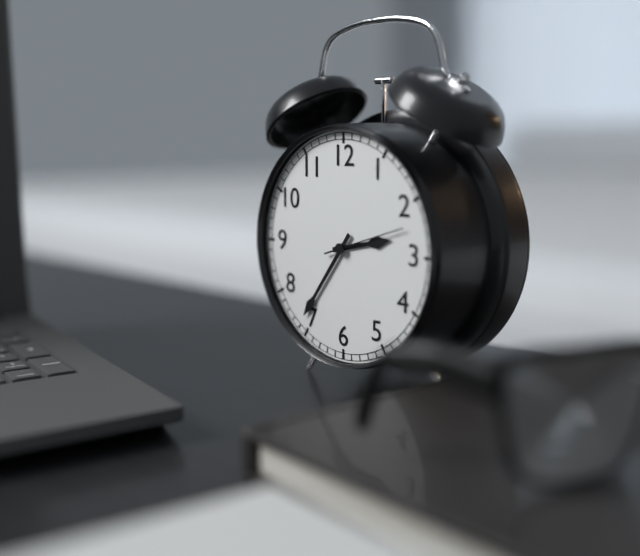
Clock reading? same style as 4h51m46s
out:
2h36m12s
